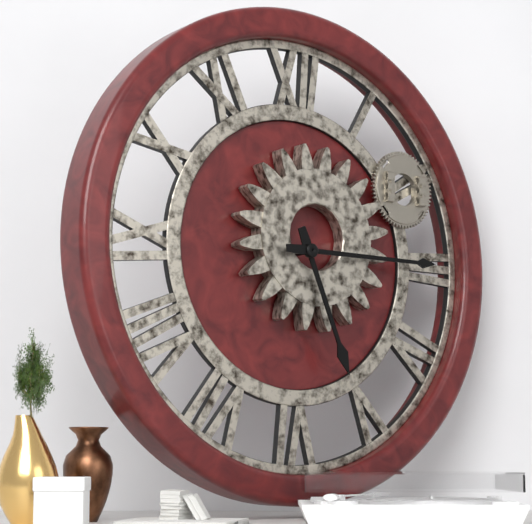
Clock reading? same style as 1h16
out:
5h15
